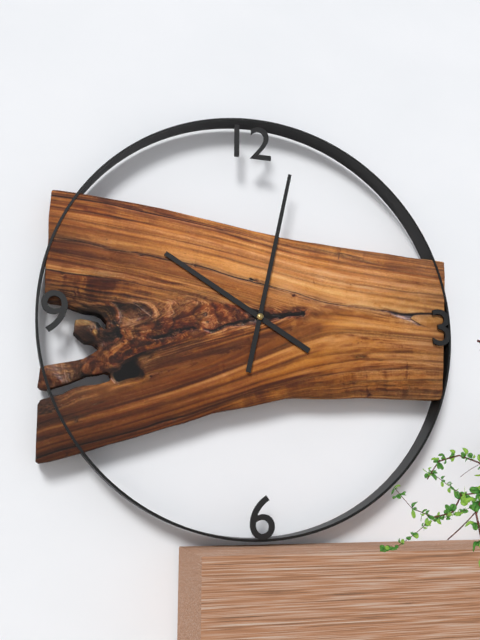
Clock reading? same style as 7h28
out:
10h02
